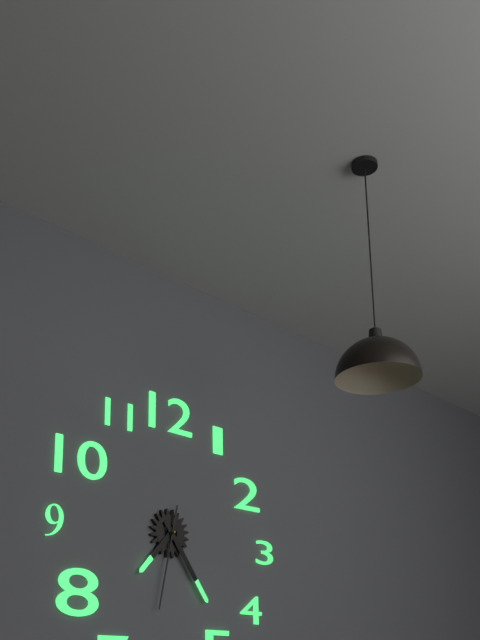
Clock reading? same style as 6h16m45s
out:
7h24m32s
